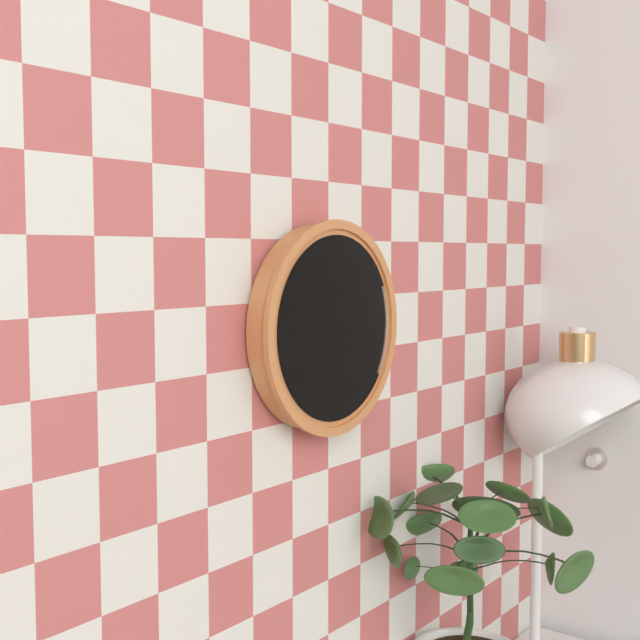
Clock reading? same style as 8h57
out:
11h08
